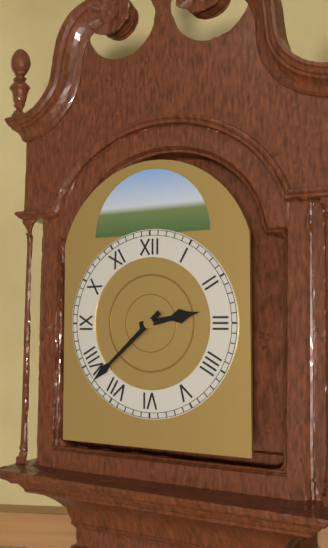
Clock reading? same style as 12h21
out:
2h38
